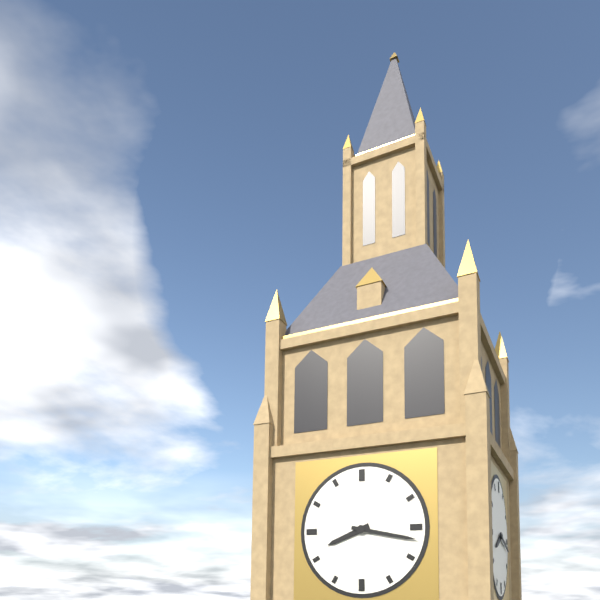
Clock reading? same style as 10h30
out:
8h17
